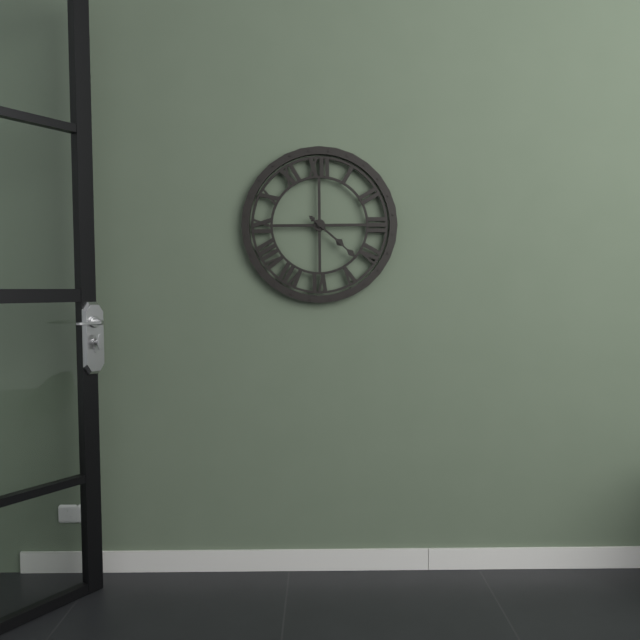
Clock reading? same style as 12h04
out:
4h22
